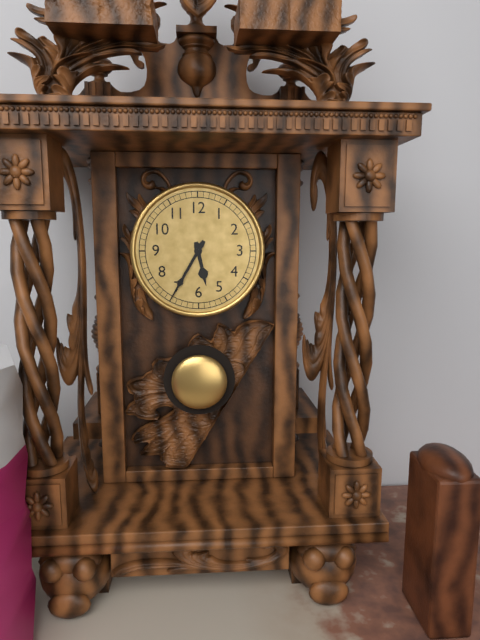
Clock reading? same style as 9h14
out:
5h35
